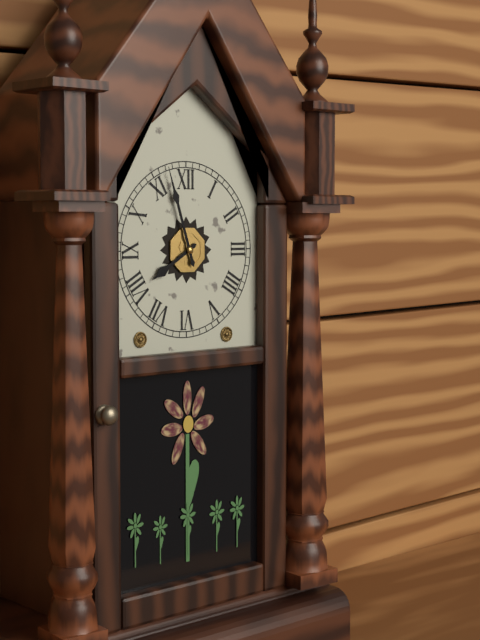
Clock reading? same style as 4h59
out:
7h57
